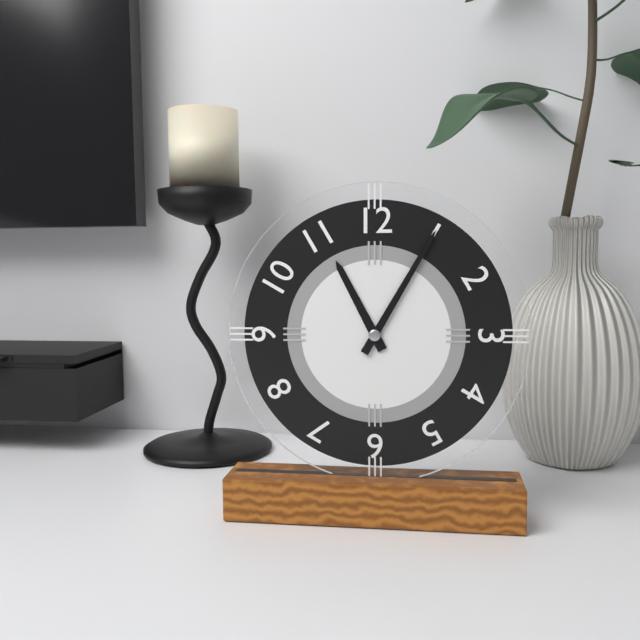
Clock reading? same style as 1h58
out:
11h05
